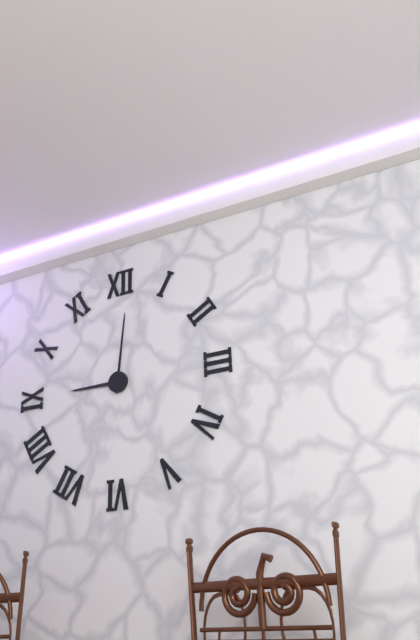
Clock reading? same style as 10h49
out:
9h01
